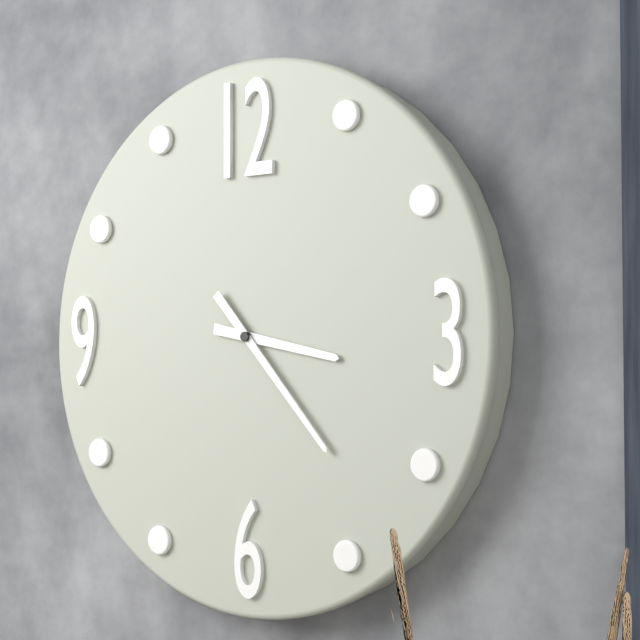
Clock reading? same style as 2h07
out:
3h23
